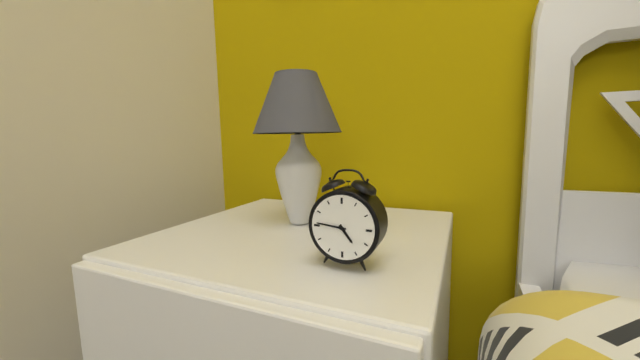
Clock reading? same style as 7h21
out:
4h46
